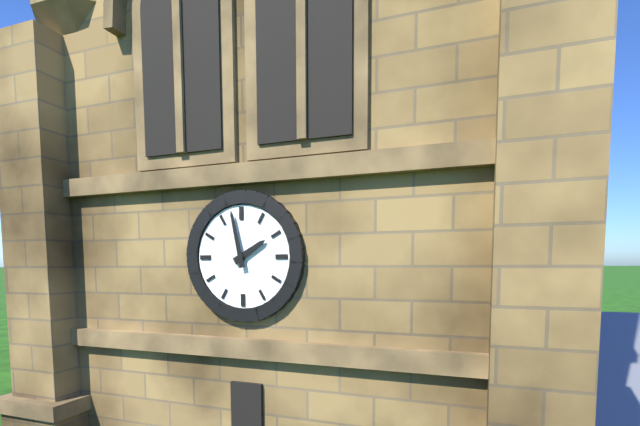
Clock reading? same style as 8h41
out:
1h58
